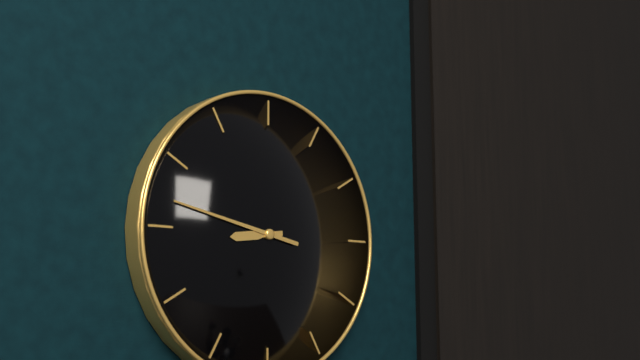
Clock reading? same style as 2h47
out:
8h47
